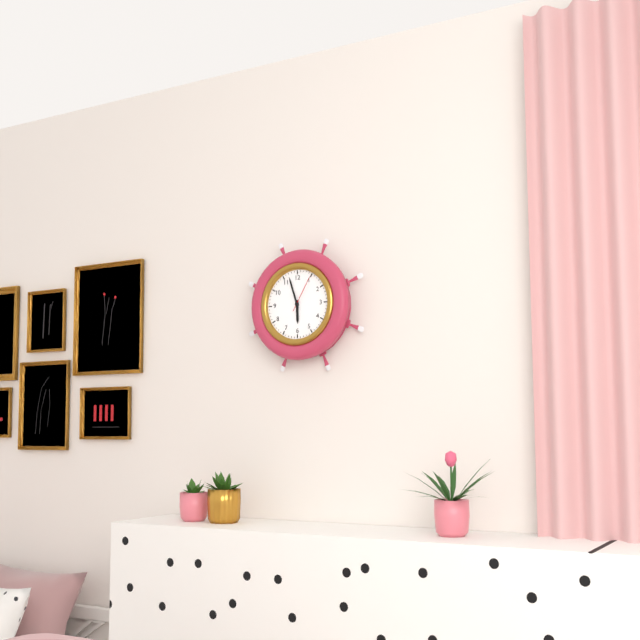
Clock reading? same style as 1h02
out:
5h57
